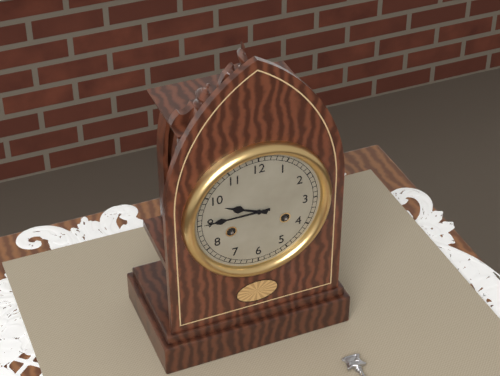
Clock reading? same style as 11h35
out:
9h45
